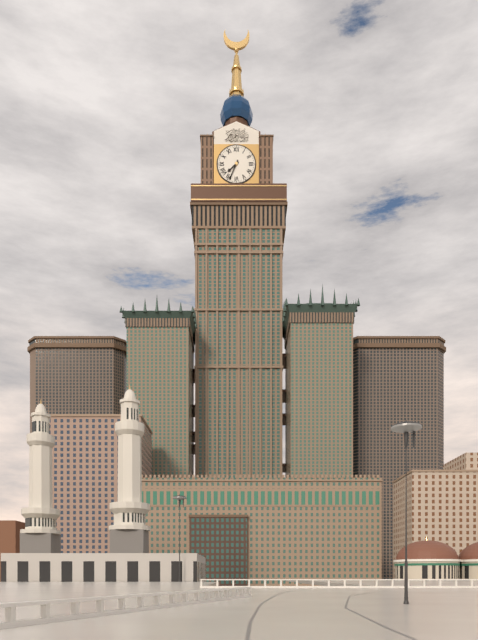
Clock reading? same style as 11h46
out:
7h34
